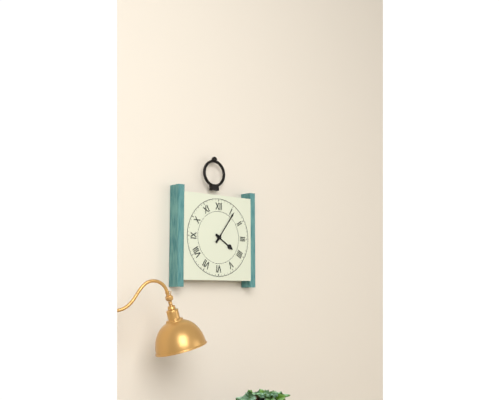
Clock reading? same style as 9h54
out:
4h06
